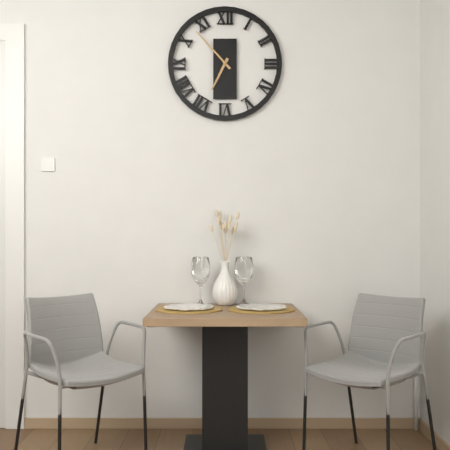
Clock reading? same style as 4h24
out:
6h53
